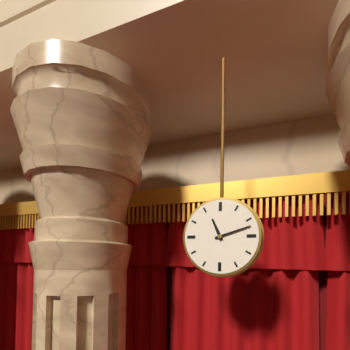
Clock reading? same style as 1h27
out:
11h12
